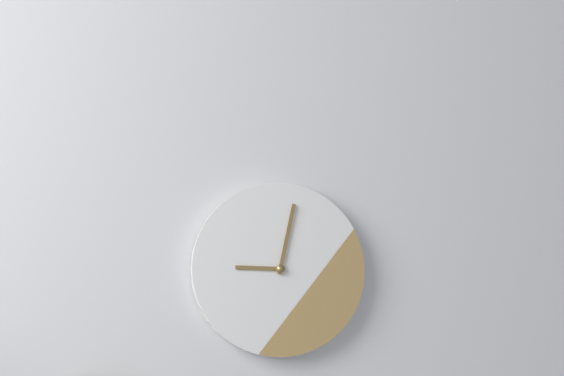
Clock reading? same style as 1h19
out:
9h02
